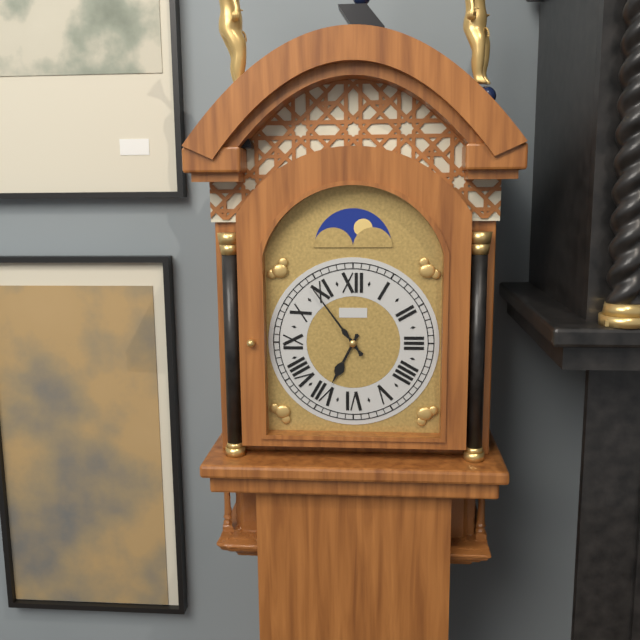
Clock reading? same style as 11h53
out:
6h54
